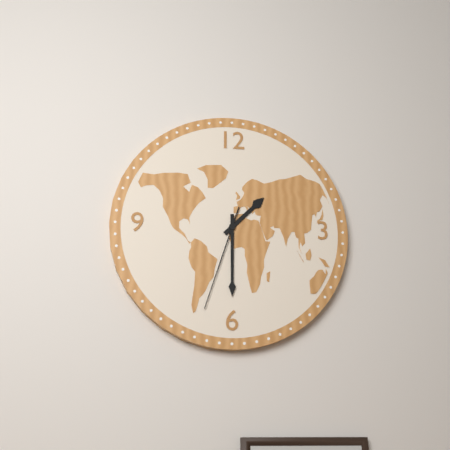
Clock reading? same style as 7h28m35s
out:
1h30m33s
